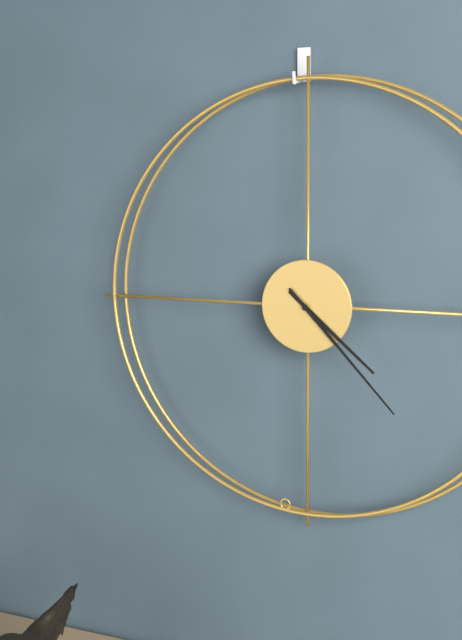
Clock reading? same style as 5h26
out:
4h23
